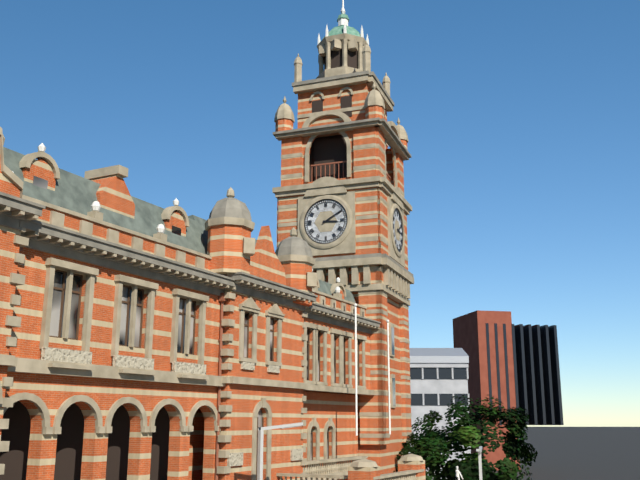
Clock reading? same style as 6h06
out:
3h10
